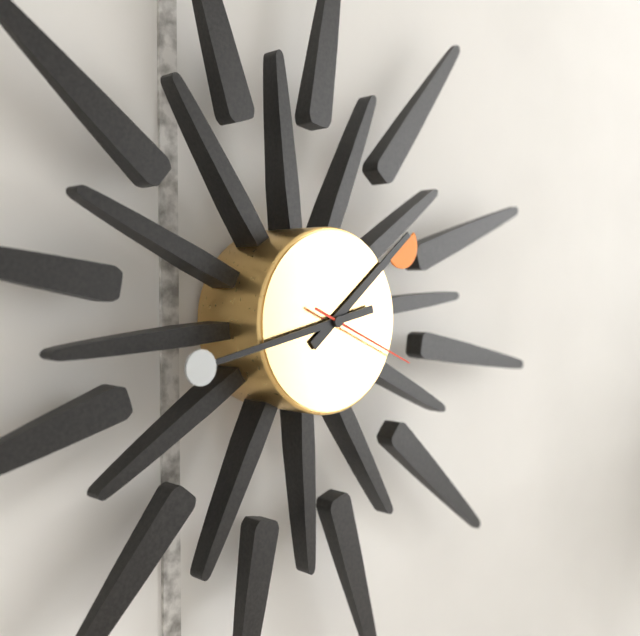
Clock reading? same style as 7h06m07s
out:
1h43m19s
